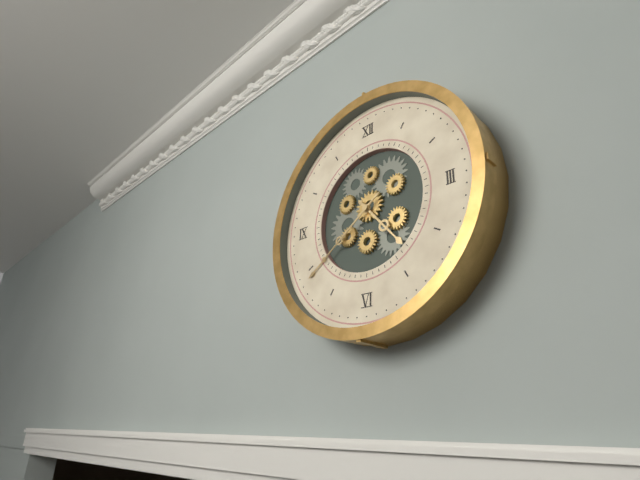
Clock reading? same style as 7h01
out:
4h39
